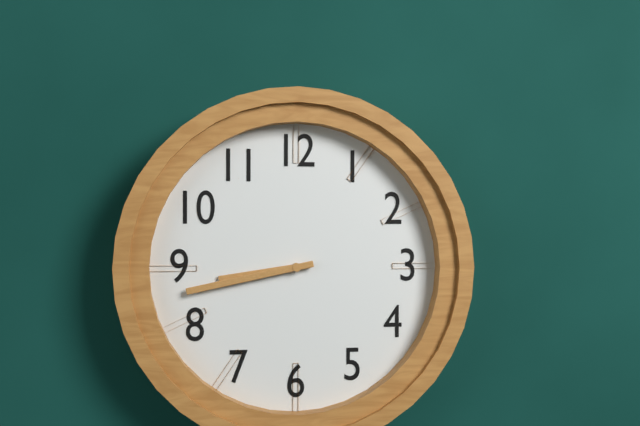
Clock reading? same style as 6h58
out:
8h43
